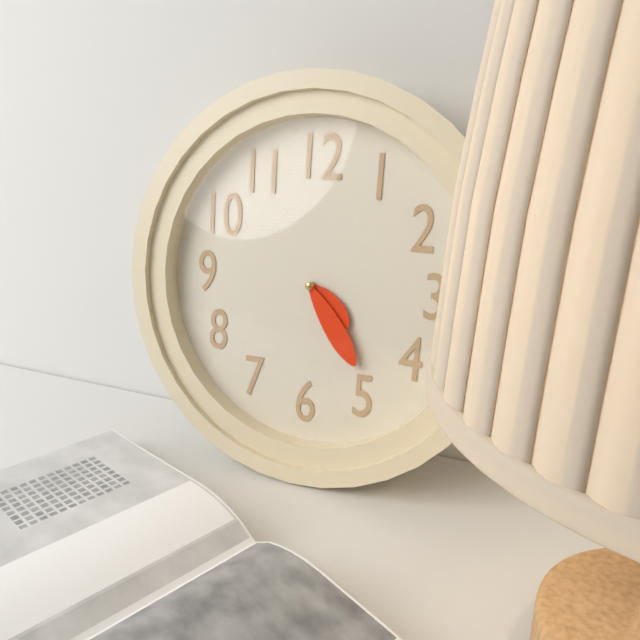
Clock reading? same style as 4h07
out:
4h24
